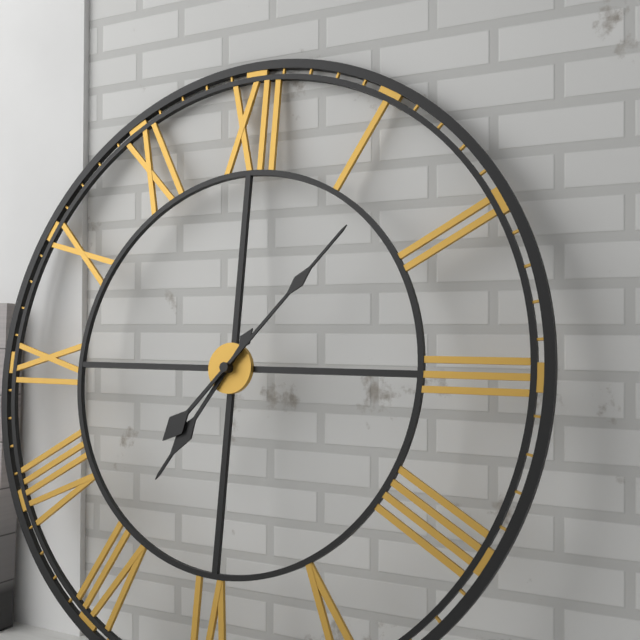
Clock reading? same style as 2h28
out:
7h07
